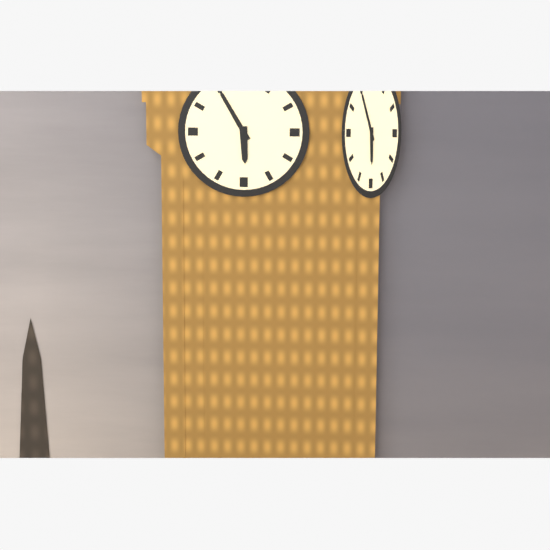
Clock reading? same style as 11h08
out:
5h55
